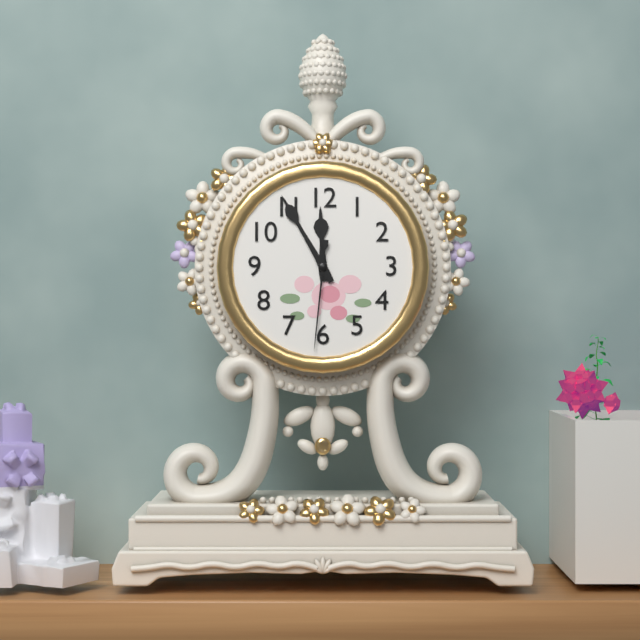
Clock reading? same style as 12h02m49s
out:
11h55m31s
